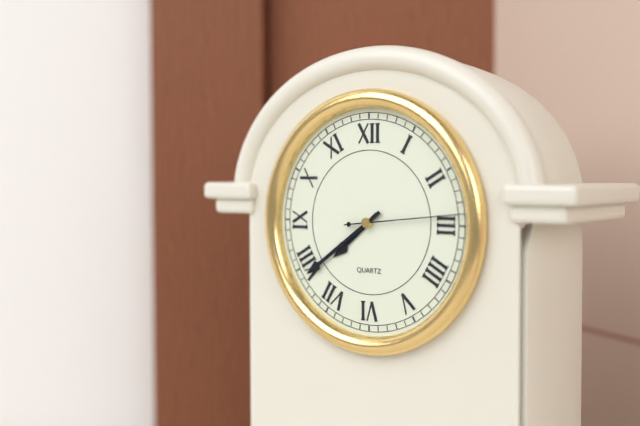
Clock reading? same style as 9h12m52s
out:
7h39m14s
